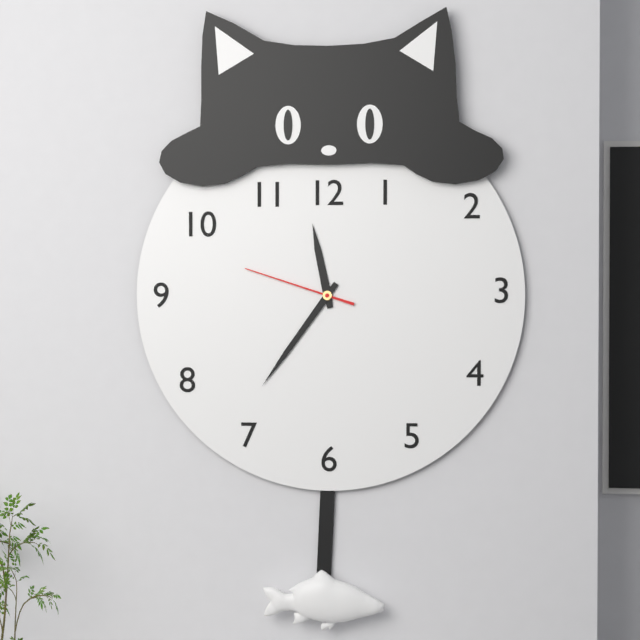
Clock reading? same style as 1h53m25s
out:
11h36m48s
